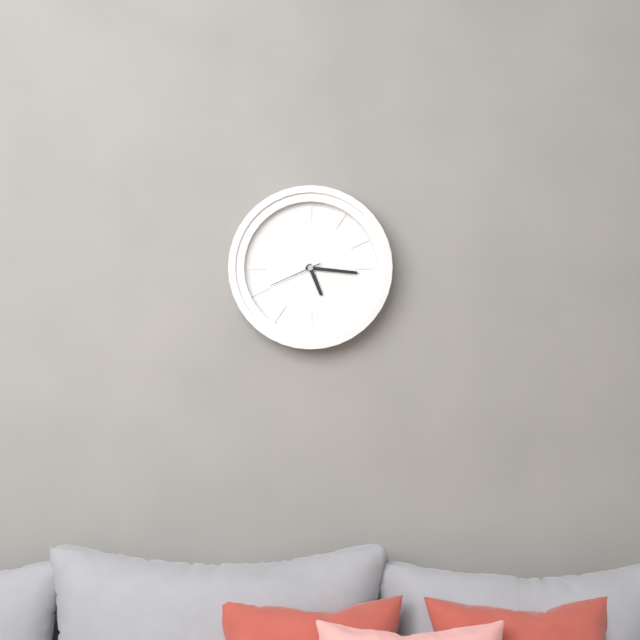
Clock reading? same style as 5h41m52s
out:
5h16m41s
